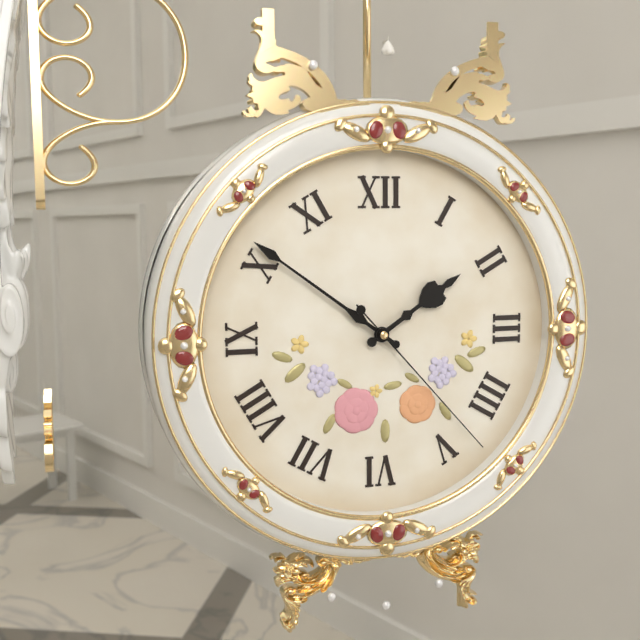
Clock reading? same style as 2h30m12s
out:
1h51m23s
